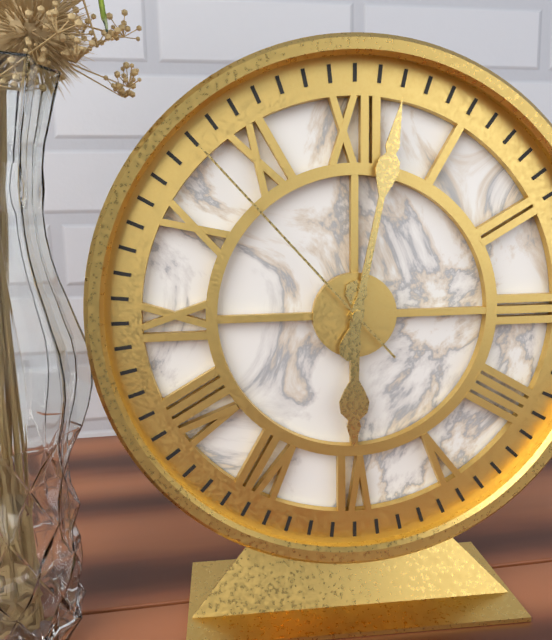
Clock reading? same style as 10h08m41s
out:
6h02m53s
